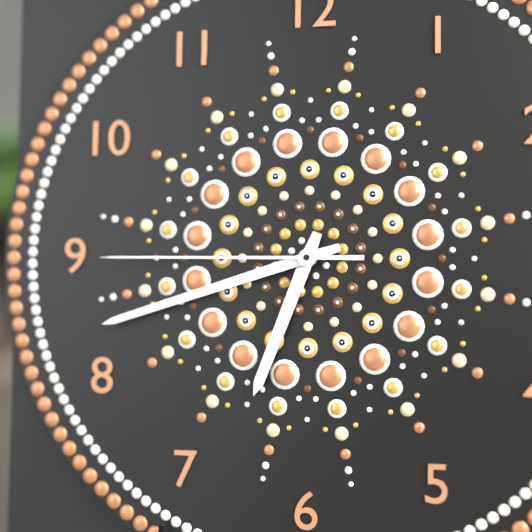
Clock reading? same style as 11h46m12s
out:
6h42m45s
